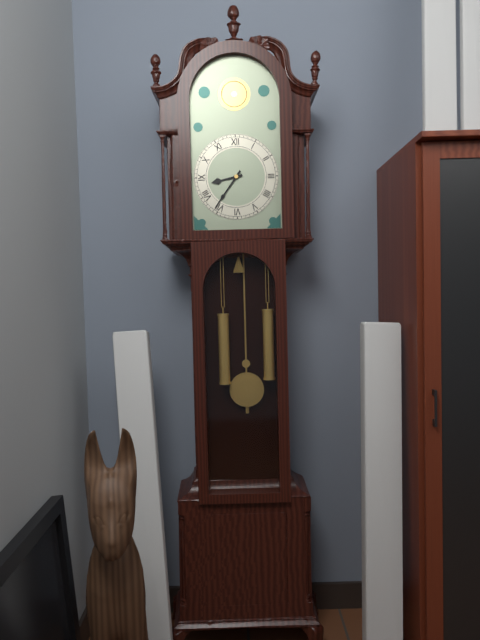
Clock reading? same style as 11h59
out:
8h36
